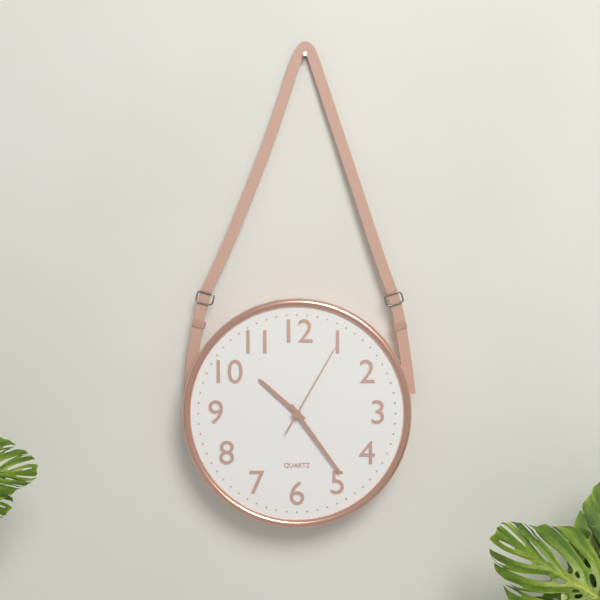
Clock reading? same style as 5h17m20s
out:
10h24m05s
